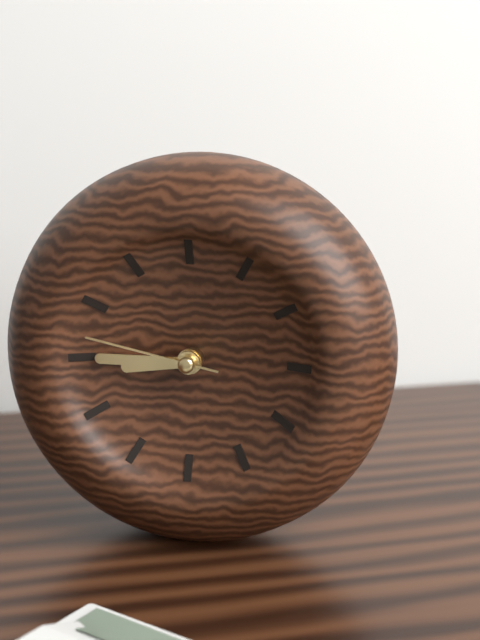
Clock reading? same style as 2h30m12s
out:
8h45m47s
